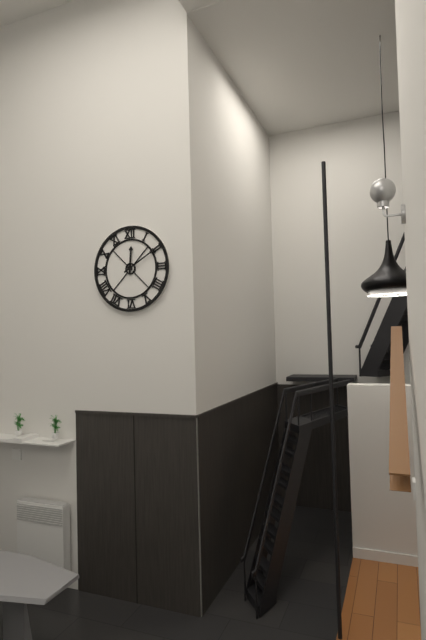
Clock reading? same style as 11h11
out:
12h10
